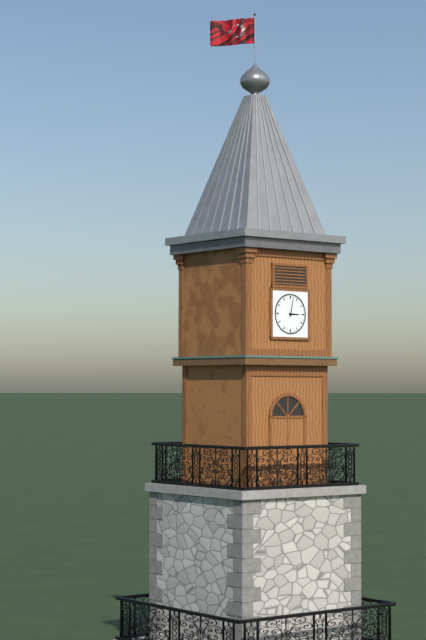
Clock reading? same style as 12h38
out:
3h02
